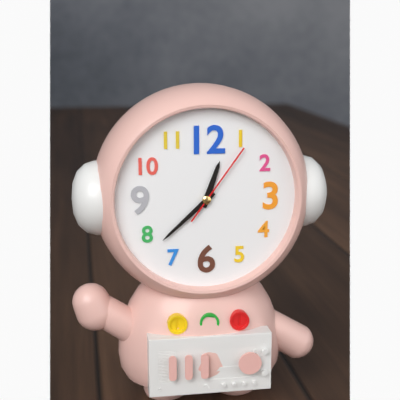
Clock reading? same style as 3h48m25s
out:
12h38m06s
